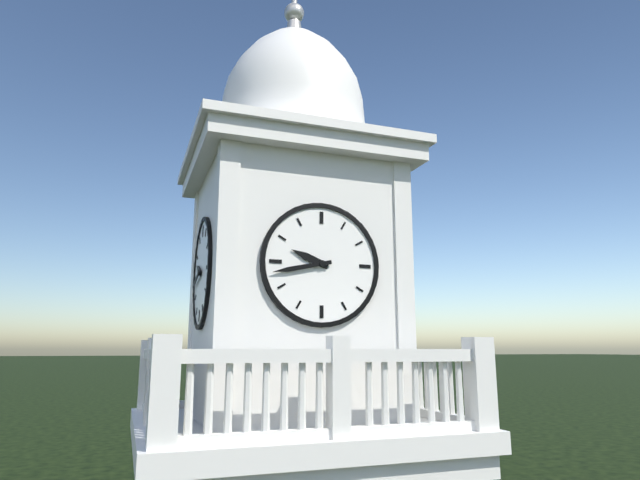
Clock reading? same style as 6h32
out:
9h43
